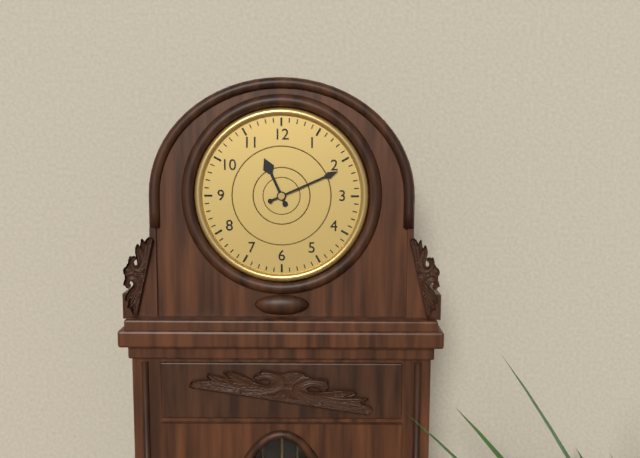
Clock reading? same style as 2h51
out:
11h11
